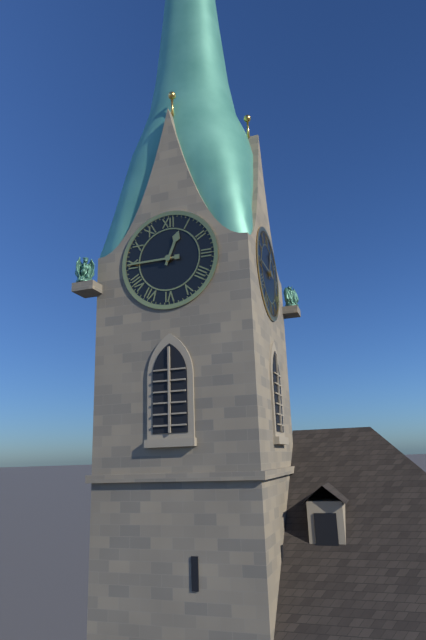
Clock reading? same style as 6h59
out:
12h45
